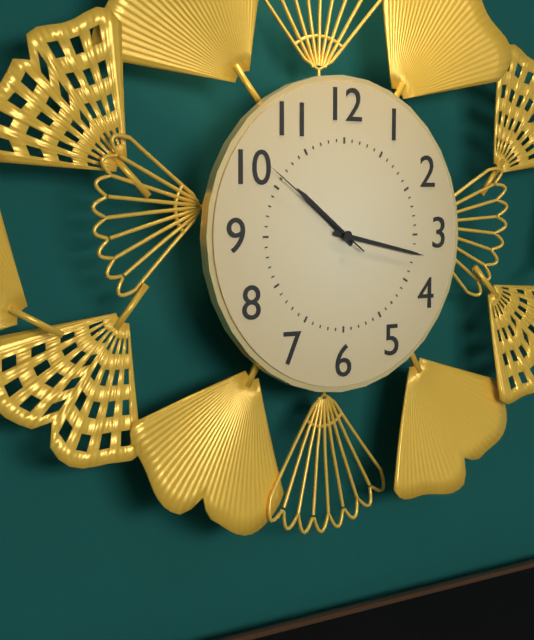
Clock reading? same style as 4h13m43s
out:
10h17m51s
